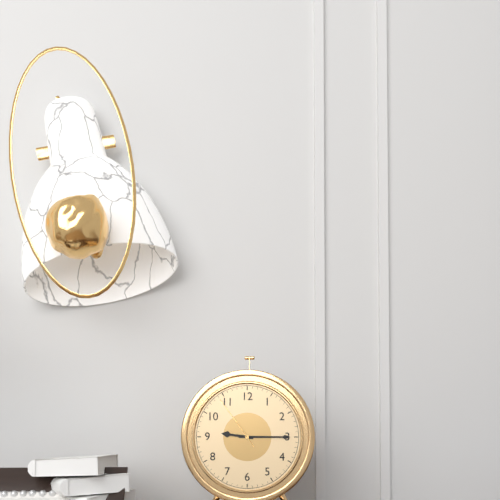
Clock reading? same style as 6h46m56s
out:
9h15m54s
